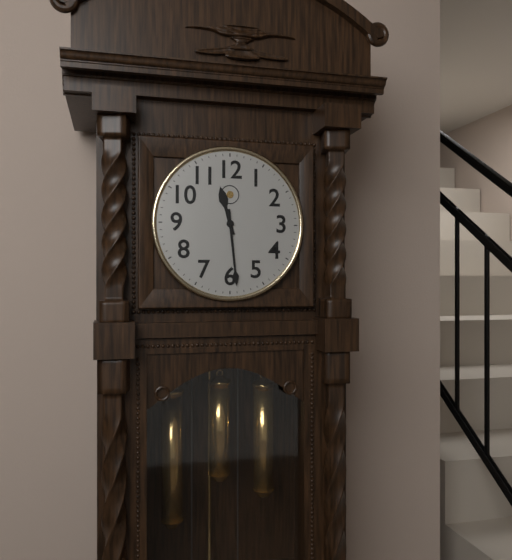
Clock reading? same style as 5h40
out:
11h29
